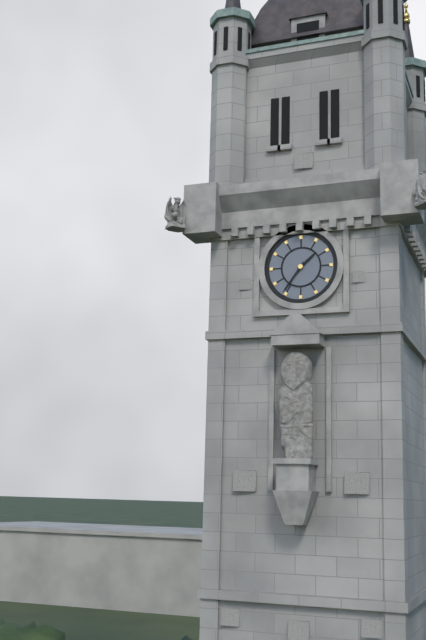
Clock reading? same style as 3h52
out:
1h36
